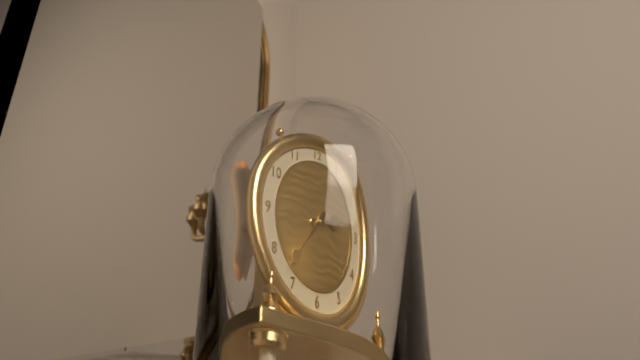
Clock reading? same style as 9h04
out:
2h37
